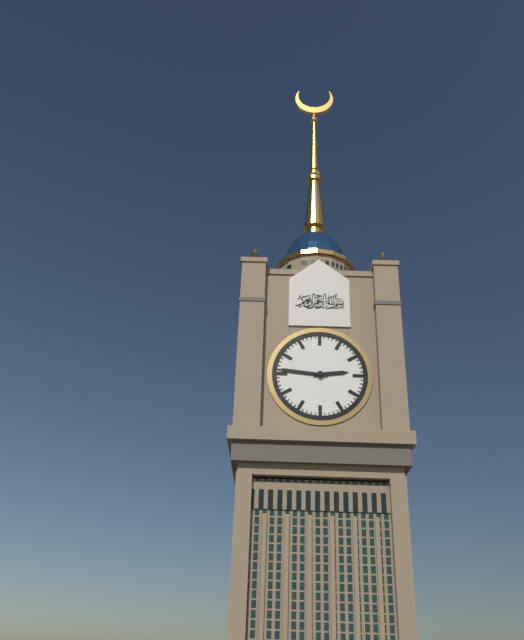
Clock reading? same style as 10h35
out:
2h46
